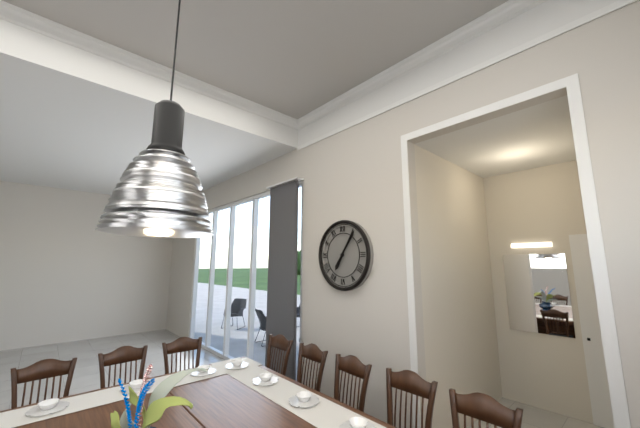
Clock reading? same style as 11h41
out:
7h06
